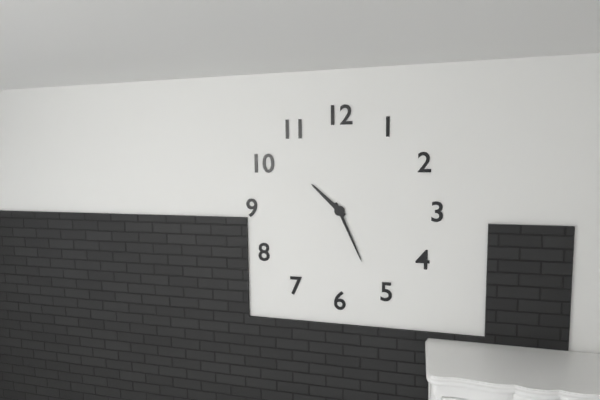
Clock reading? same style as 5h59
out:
10h26
